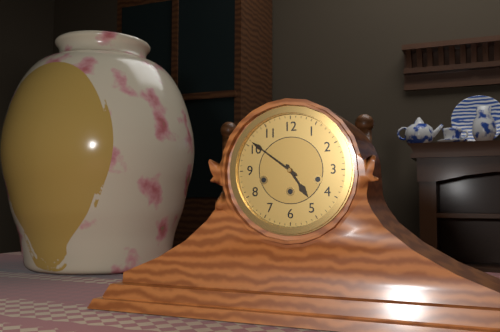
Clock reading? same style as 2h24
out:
4h51
